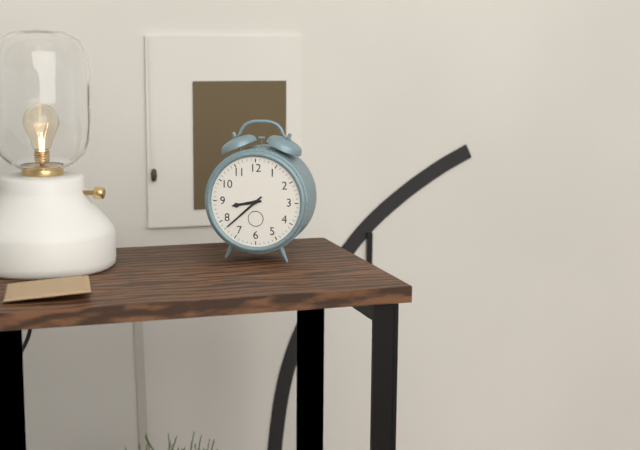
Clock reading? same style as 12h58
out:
8h38
